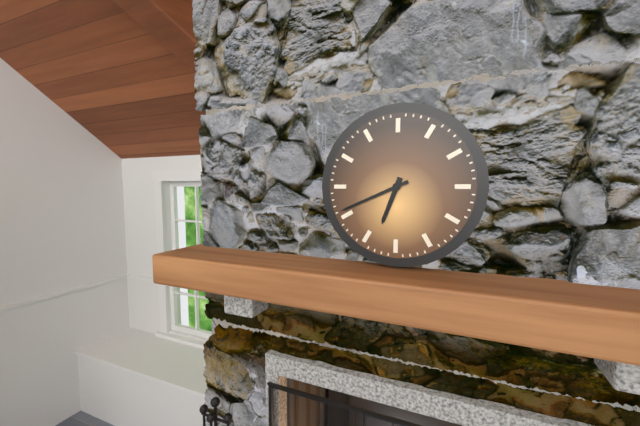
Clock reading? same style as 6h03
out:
6h41
